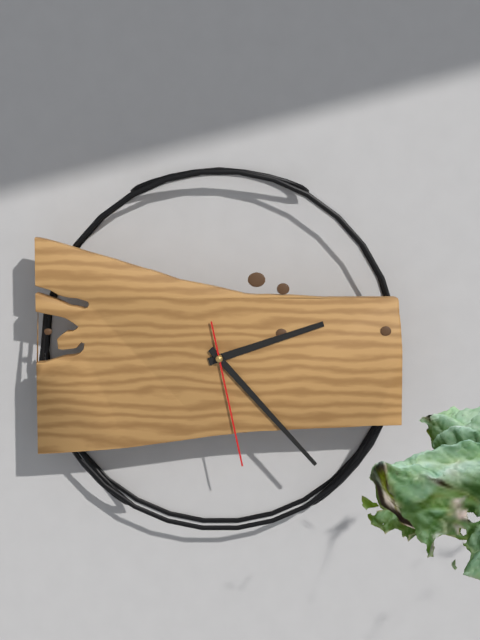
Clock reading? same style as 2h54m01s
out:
2h23m28s
